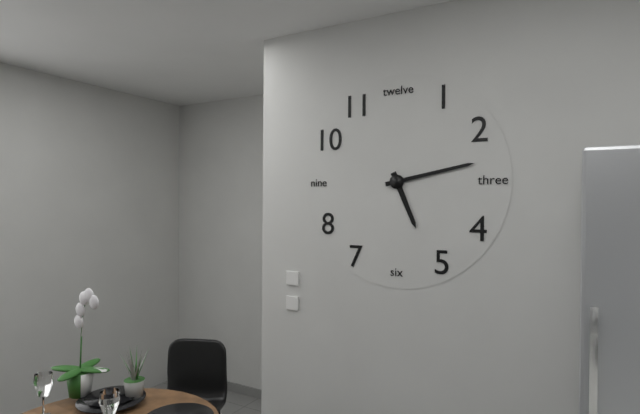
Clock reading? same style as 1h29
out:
5h13
